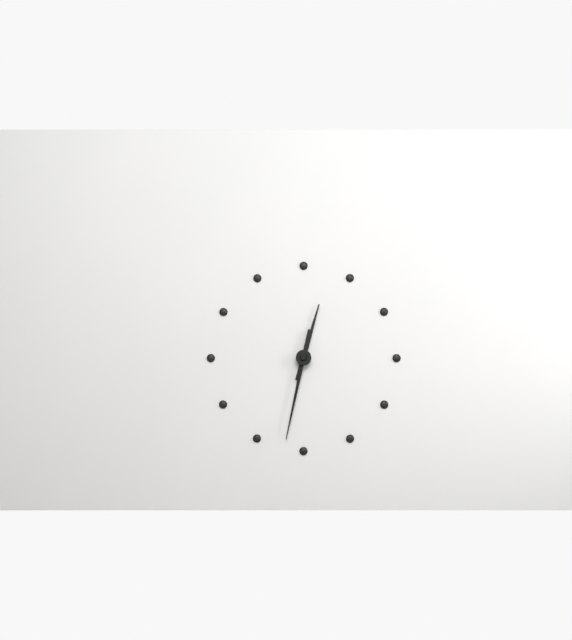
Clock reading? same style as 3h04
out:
12h32
